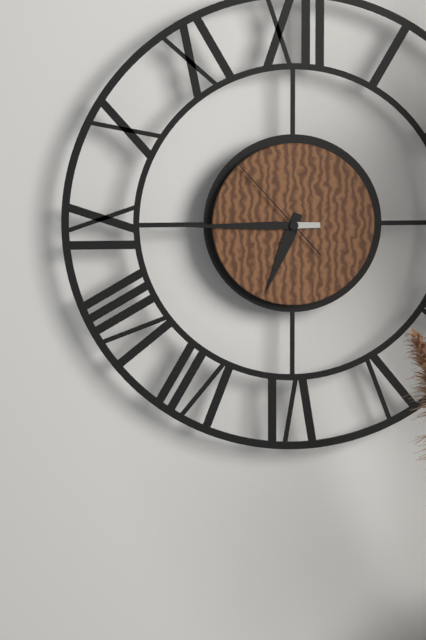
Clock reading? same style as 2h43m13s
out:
6h45m53s
